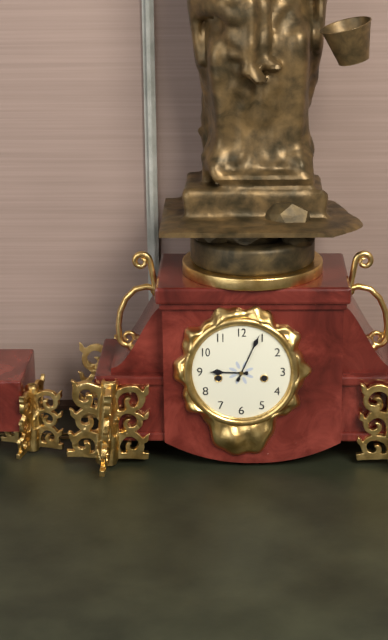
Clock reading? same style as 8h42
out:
9h04
